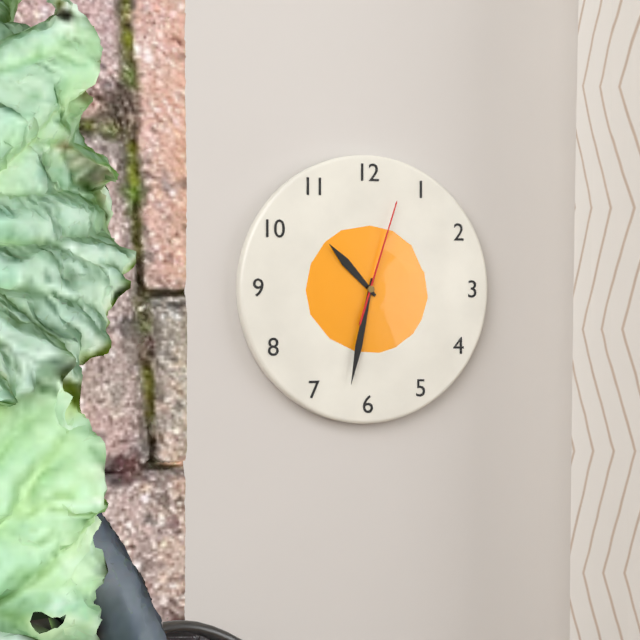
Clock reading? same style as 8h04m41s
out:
10h32m03s
